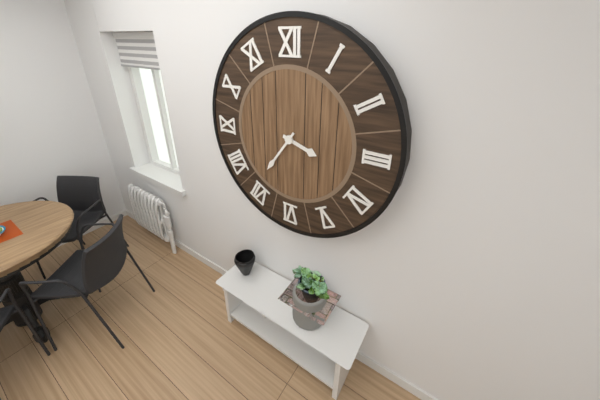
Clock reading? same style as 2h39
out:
3h36
